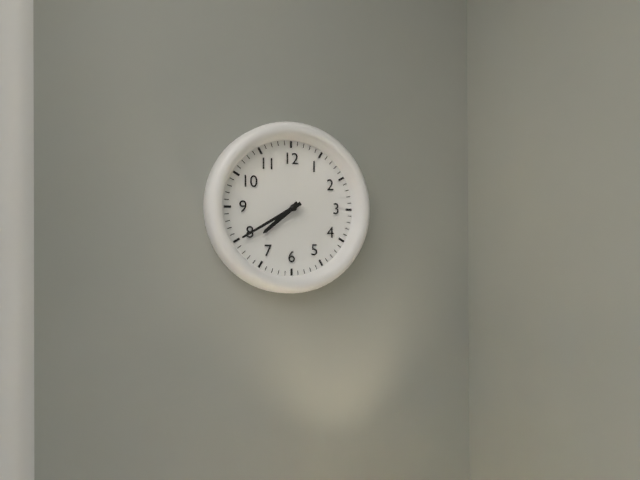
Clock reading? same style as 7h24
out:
7h40
